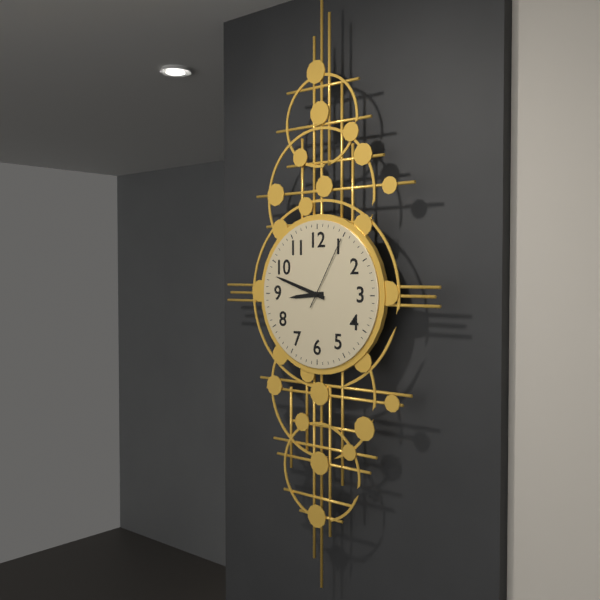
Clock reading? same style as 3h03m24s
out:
8h48m05s
